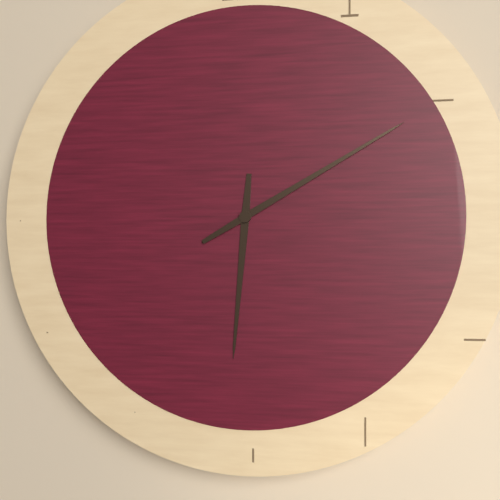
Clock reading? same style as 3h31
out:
6h10
